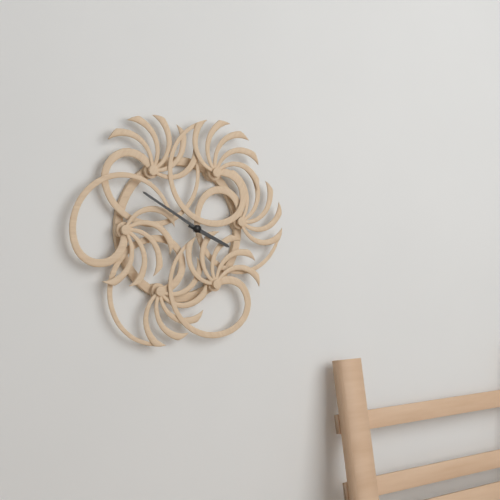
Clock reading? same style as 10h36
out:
3h50
